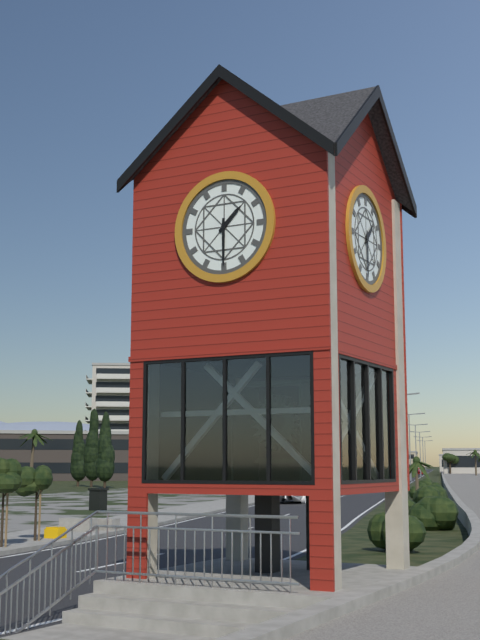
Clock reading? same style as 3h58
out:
1h30
